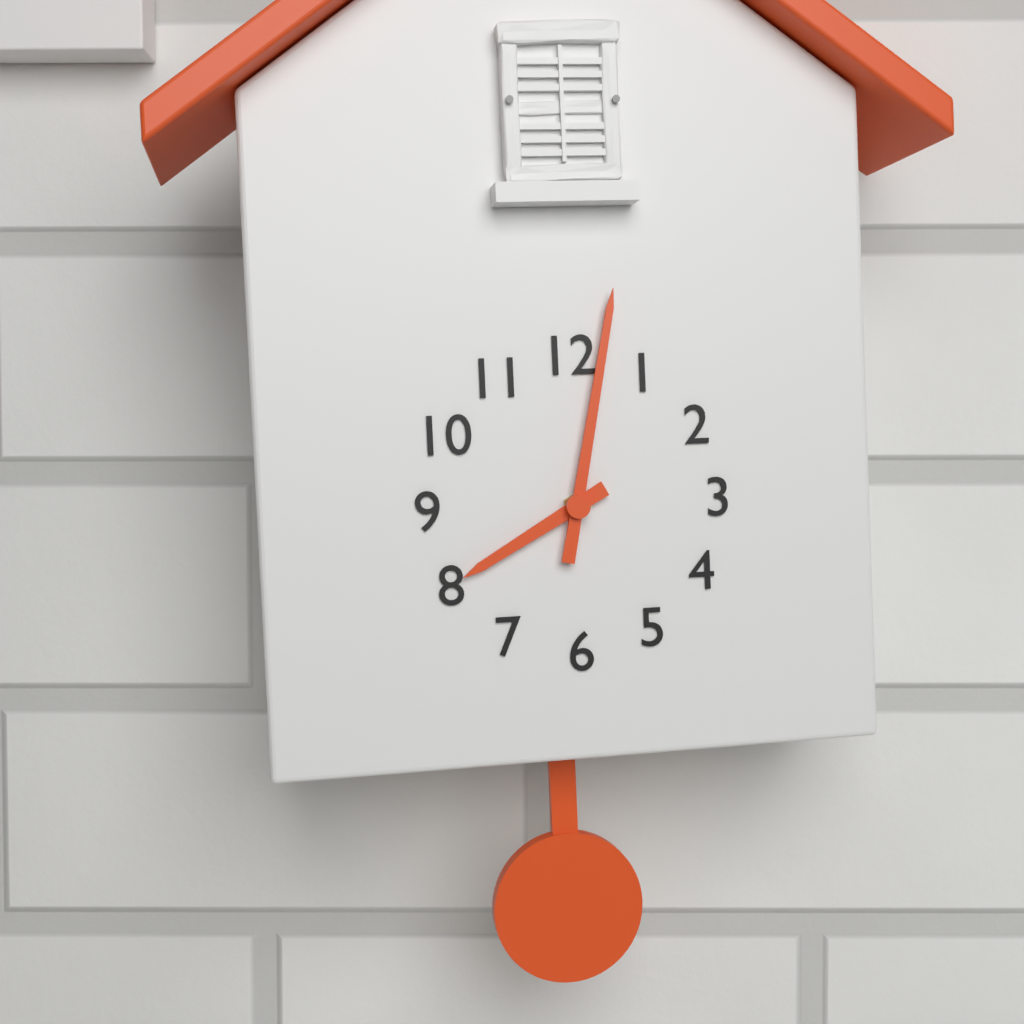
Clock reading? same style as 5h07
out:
8h02
